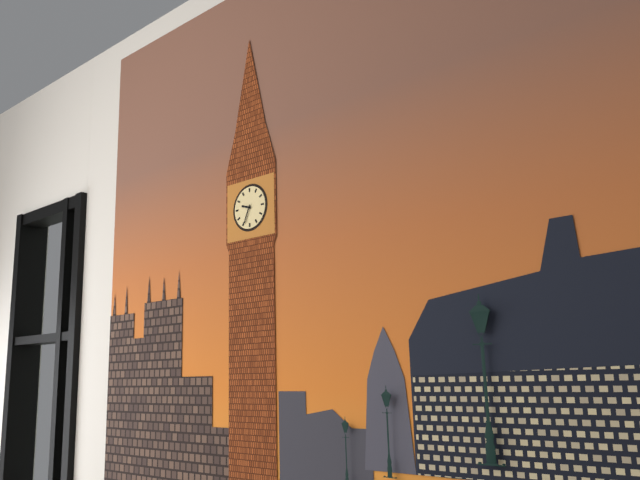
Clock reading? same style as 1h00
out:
9h34
